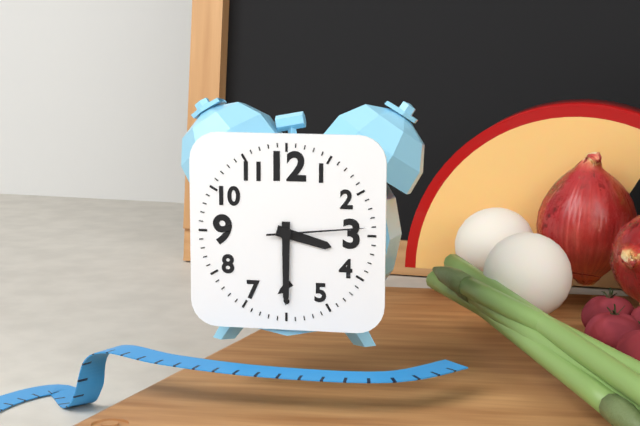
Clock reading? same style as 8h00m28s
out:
3h30m14s
